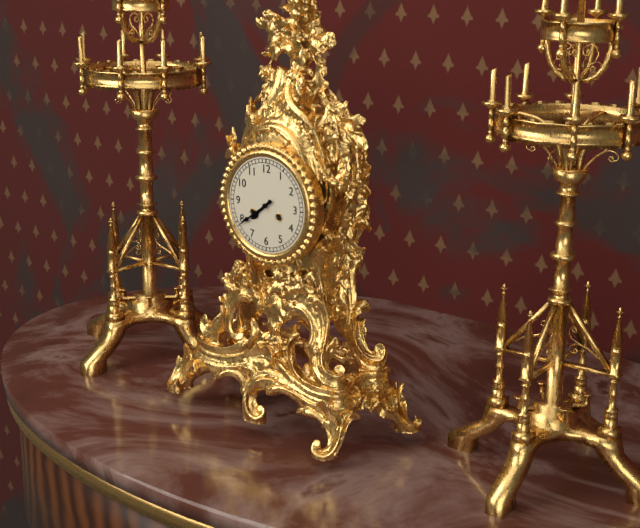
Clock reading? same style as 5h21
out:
7h39
